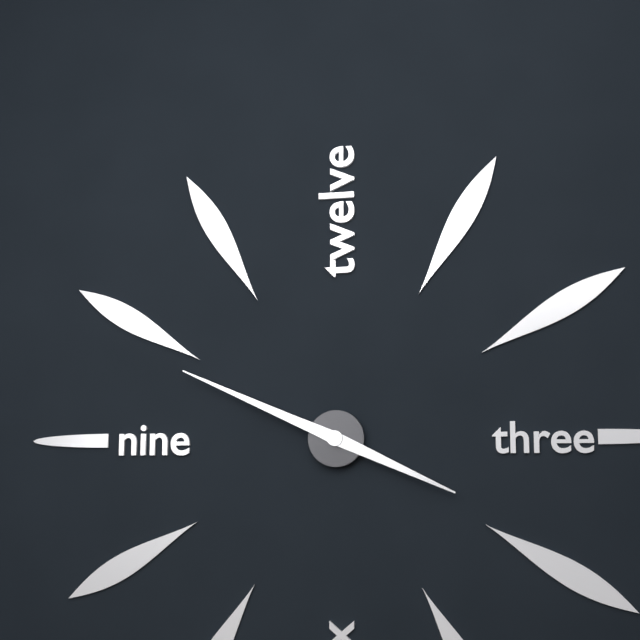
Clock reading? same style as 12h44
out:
3h49
